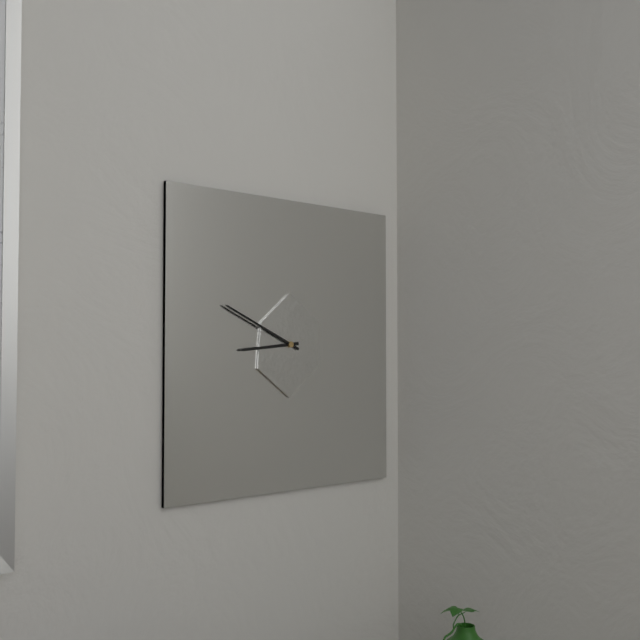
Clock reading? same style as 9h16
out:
8h49
